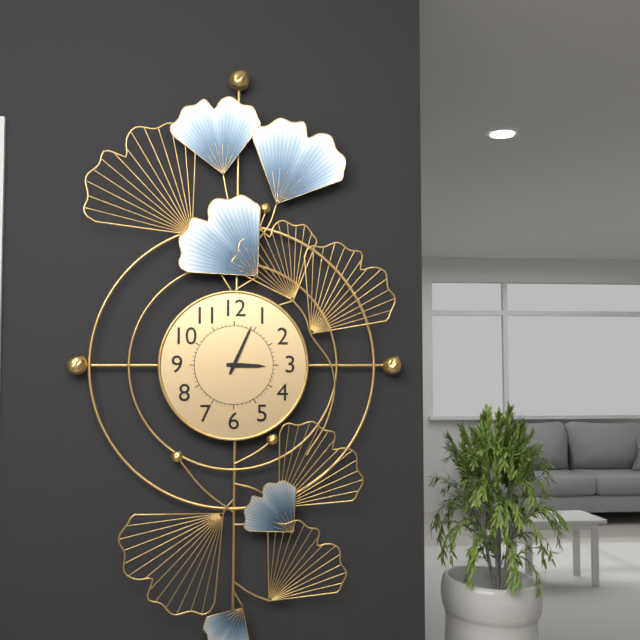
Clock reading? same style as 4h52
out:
3h04
